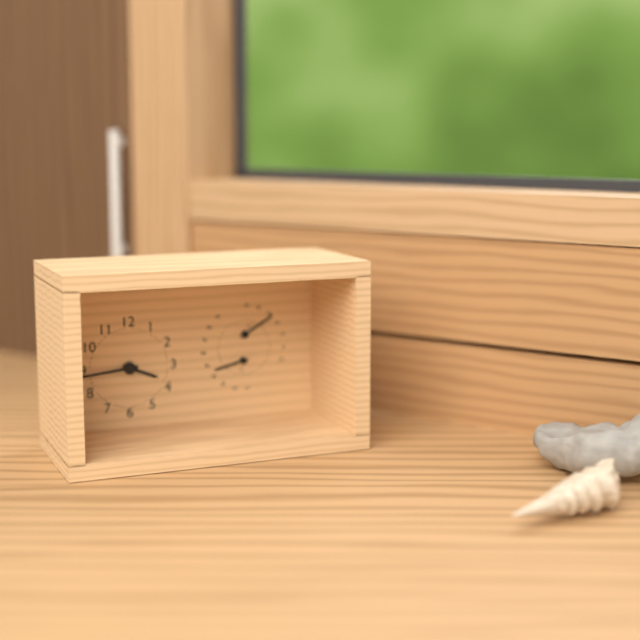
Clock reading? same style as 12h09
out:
3h44
